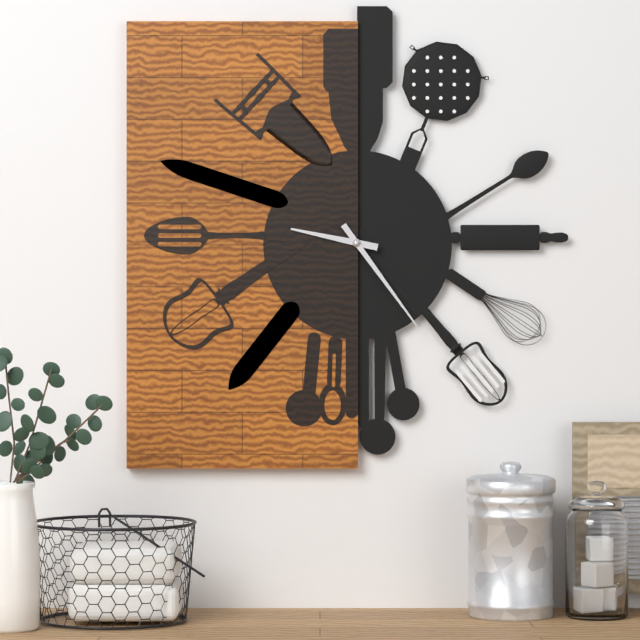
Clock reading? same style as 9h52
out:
9h24
